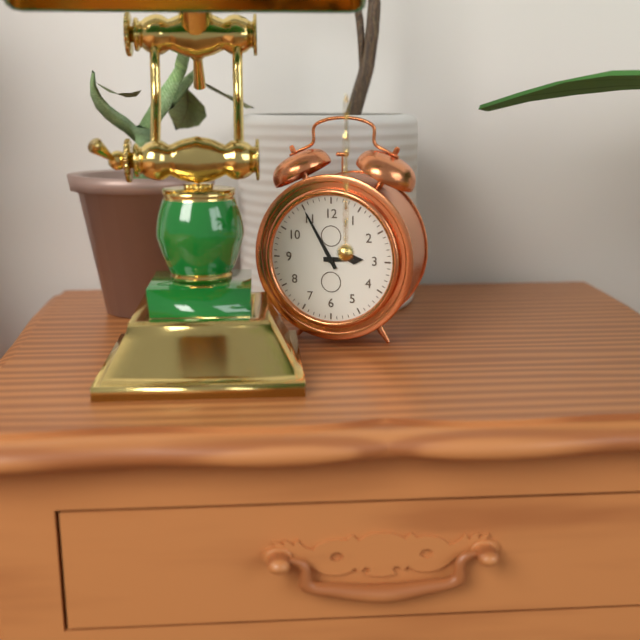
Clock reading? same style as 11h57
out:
2h55
